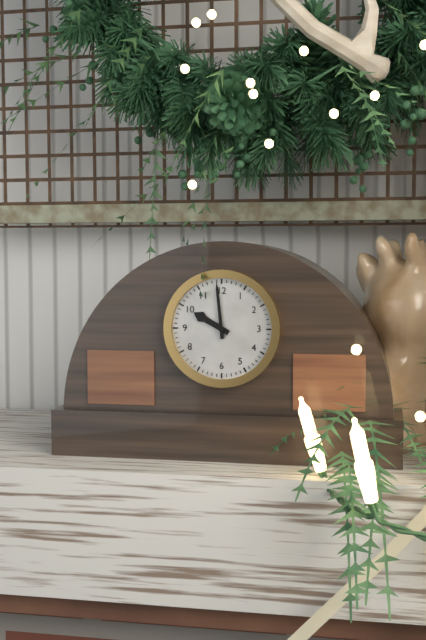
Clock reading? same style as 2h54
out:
9h59
